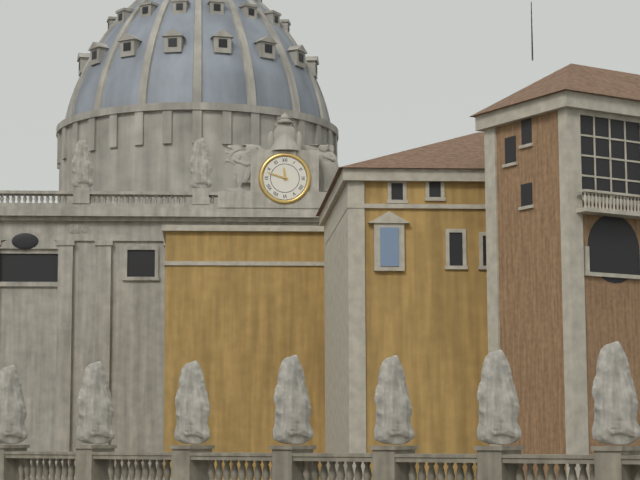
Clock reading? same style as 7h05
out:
11h48
